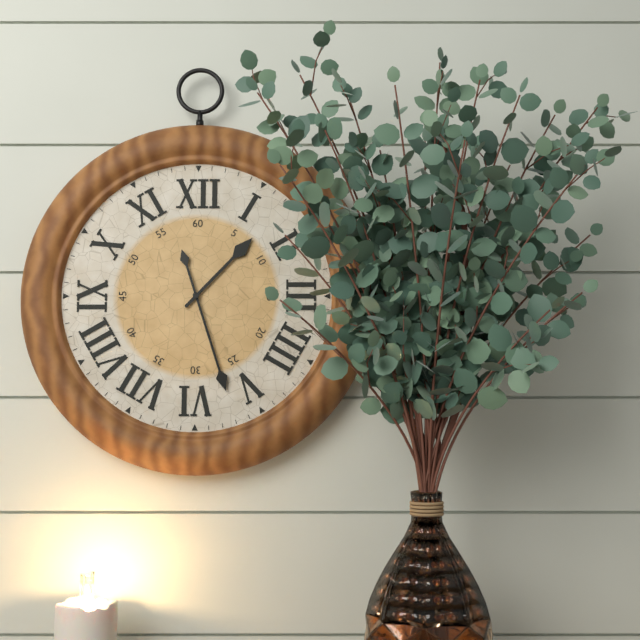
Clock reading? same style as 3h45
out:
1h27
